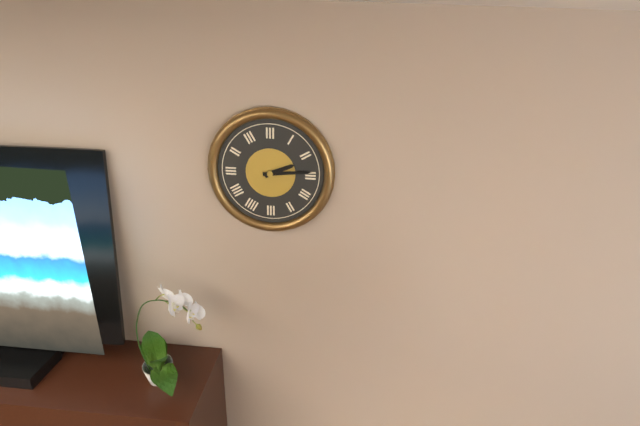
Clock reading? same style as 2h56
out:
2h14
